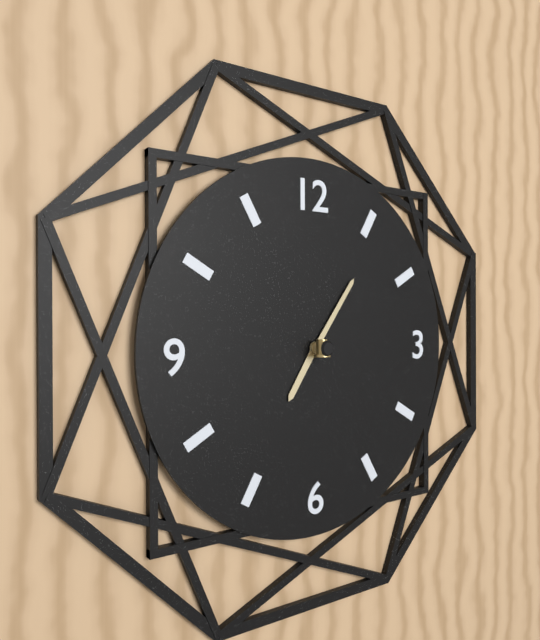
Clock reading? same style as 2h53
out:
7h06
